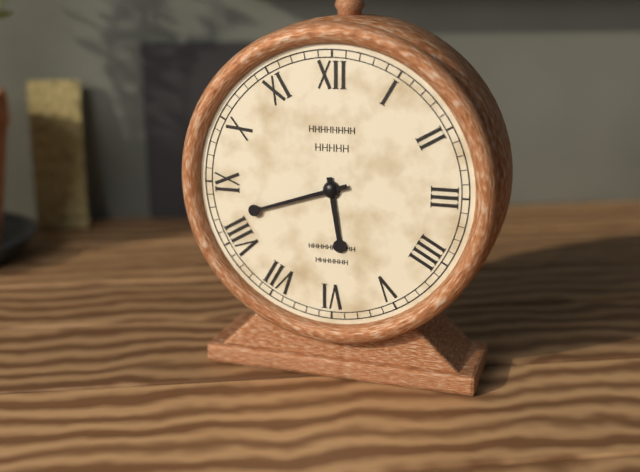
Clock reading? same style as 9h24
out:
5h42
